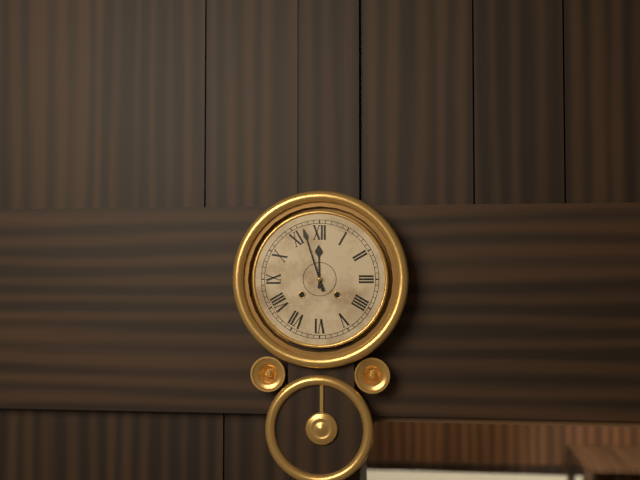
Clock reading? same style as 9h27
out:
11h57
